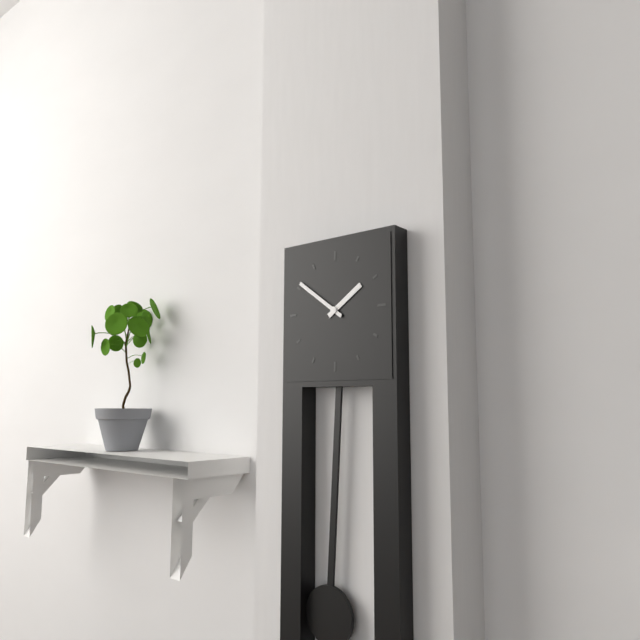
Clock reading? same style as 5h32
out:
1h51
